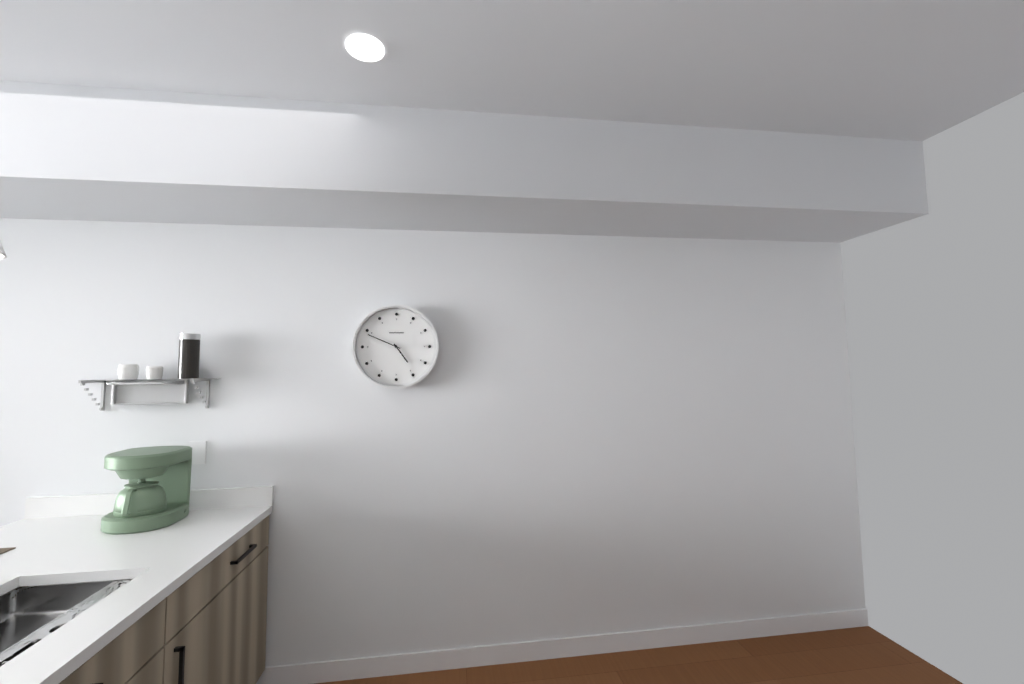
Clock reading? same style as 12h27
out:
4h49
